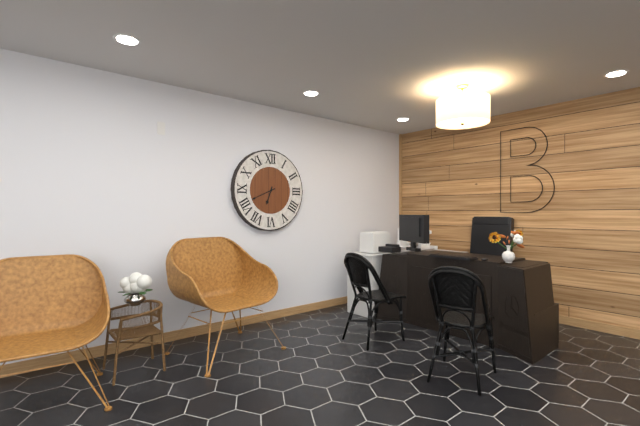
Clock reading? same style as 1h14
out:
6h41
